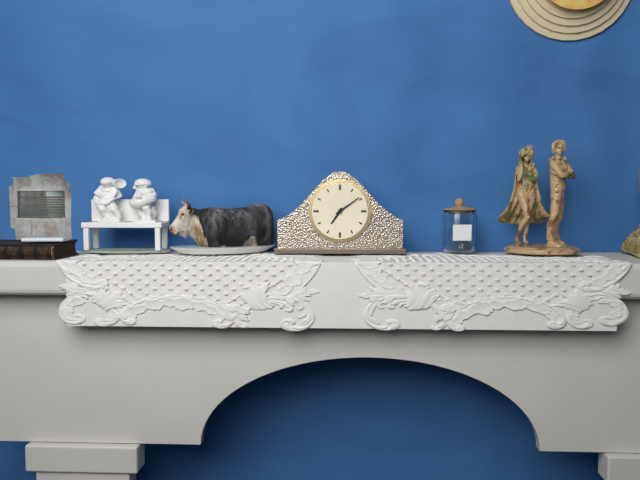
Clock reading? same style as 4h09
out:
7h09
